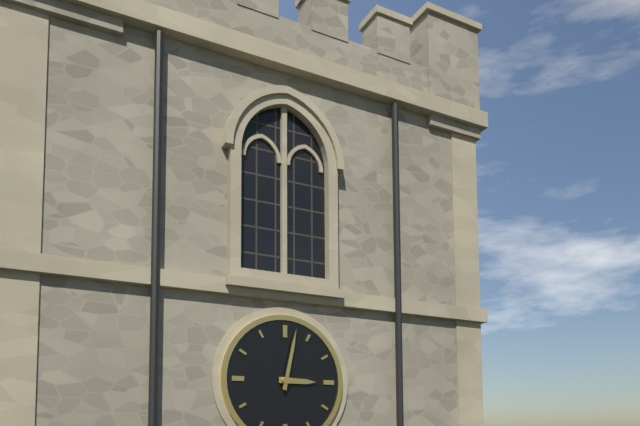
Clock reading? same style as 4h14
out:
3h02
